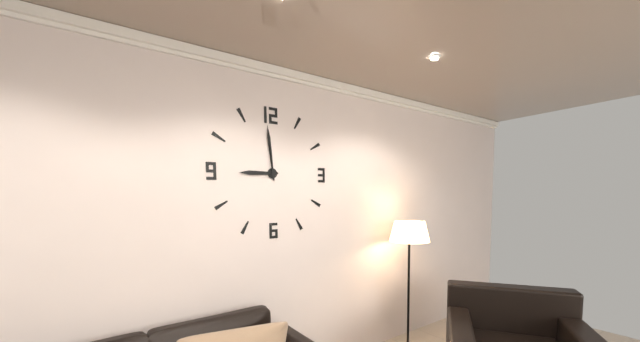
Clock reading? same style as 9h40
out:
8h59
